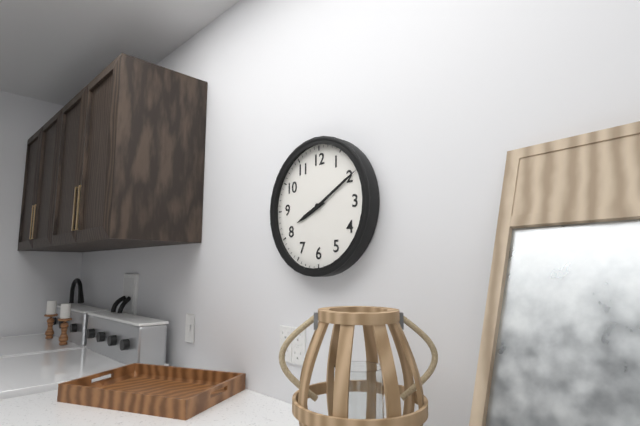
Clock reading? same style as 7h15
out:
8h10
